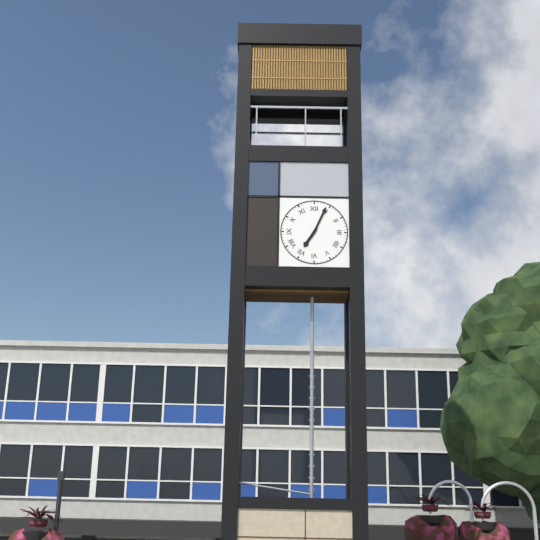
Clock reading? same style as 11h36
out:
7h04
